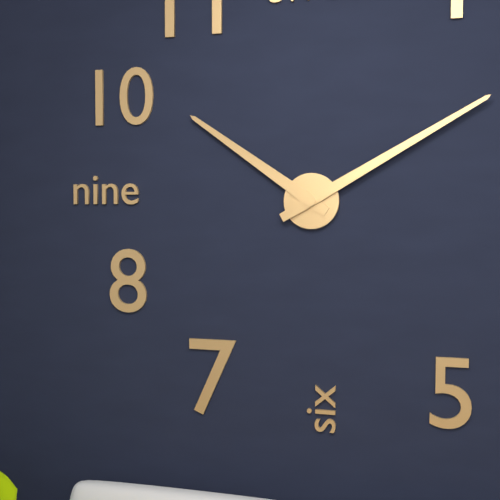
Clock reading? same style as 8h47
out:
10h10
